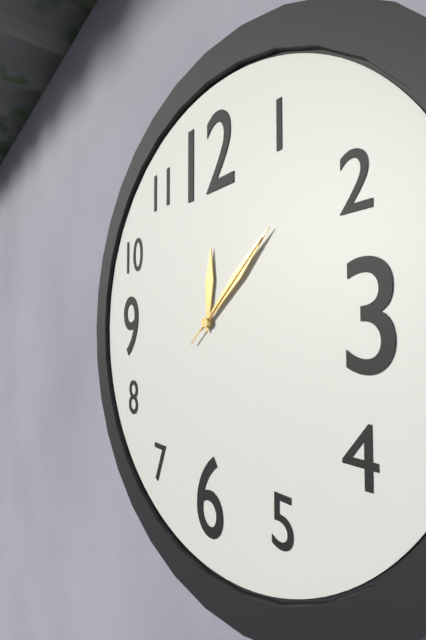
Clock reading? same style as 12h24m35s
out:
12h08m08s
